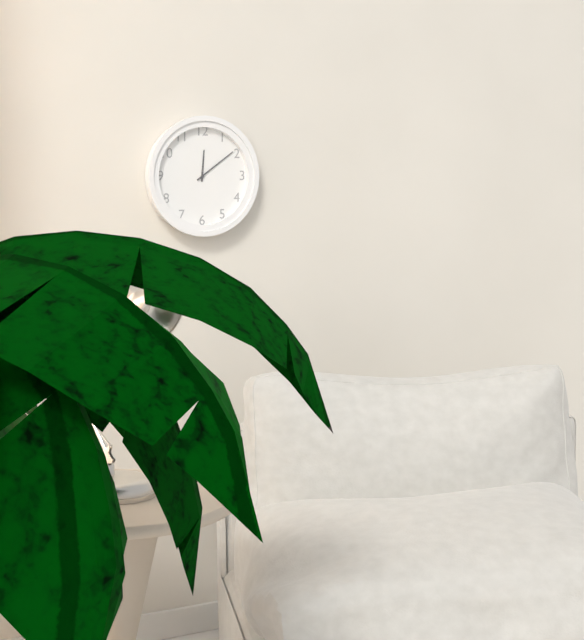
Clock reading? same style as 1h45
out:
12h09
